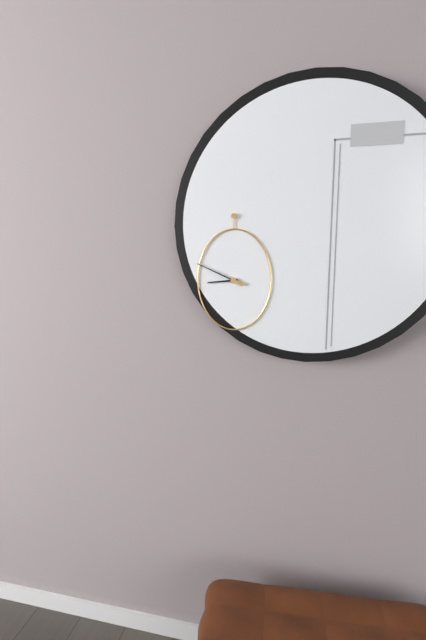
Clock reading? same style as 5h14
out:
8h49
